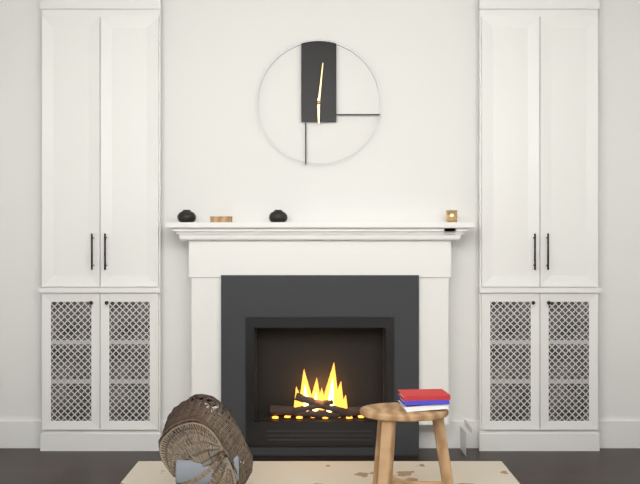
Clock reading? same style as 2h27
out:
6h01
